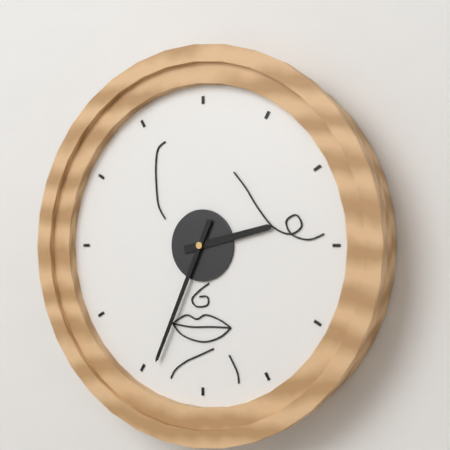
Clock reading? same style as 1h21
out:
2h34
